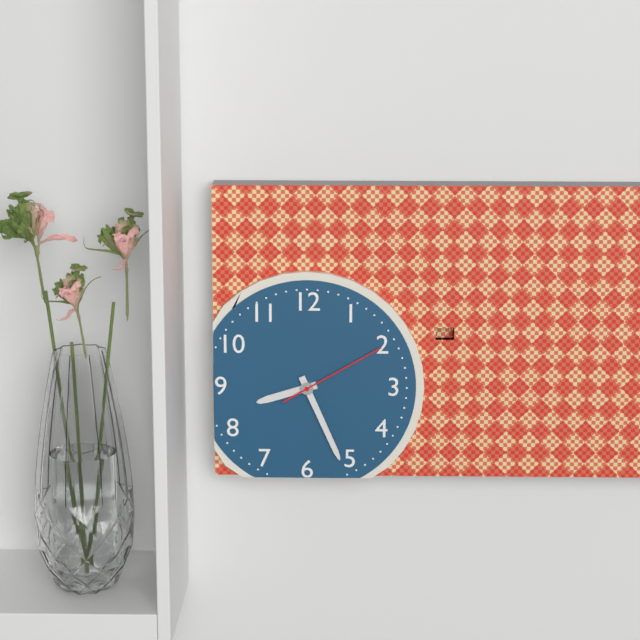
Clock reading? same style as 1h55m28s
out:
8h26m10s
